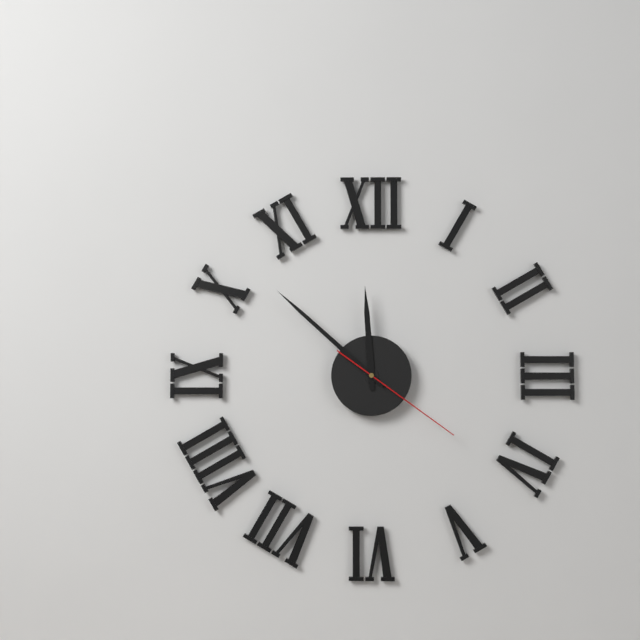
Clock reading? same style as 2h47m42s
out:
11h52m21s
